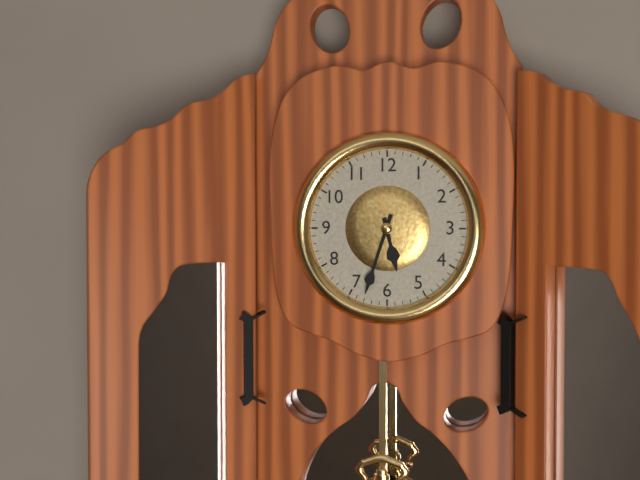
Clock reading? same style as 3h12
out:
5h33
